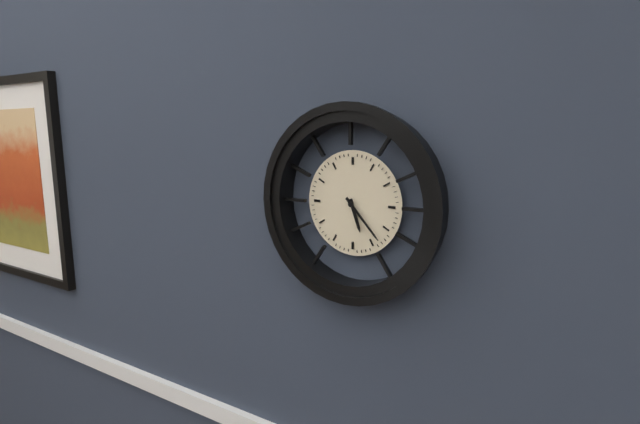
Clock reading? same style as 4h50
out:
5h23
